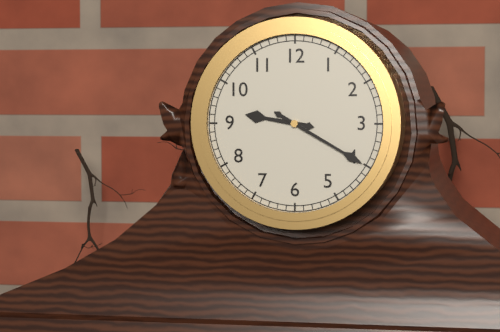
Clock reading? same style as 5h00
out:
9h20
